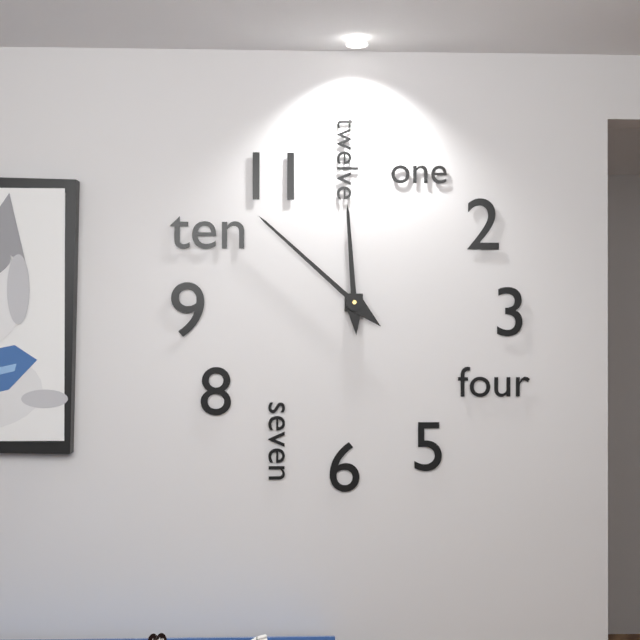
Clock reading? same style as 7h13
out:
11h52
